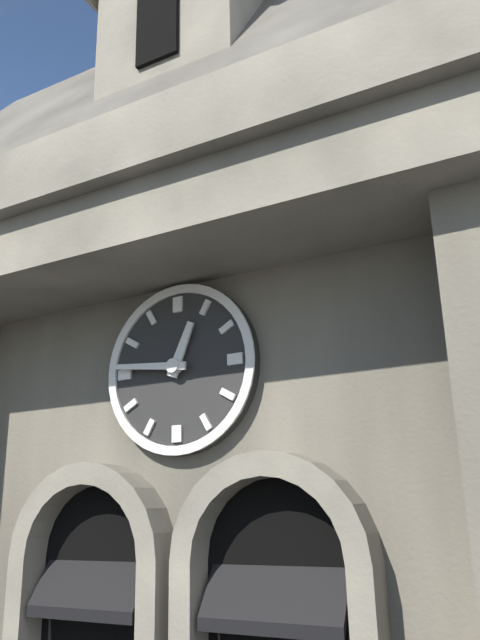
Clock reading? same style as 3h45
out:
12h46
